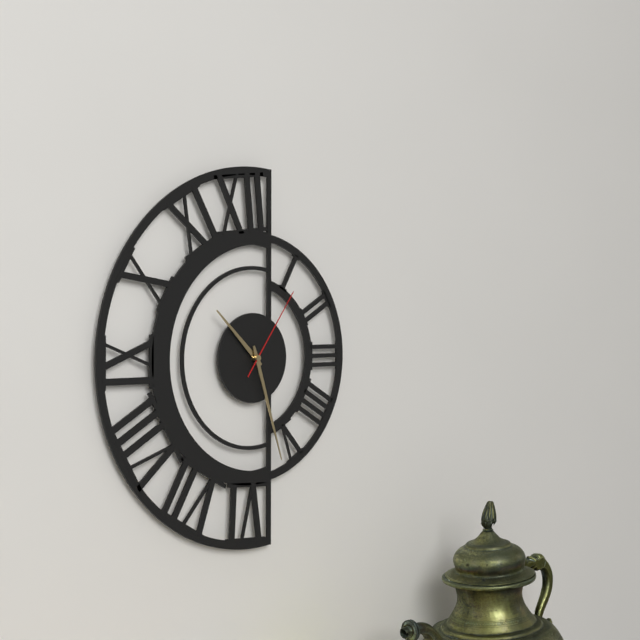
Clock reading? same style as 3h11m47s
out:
10h27m06s
